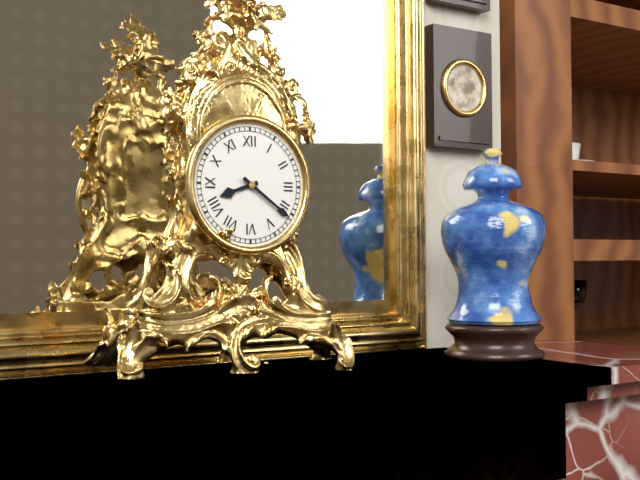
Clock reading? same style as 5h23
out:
8h21
